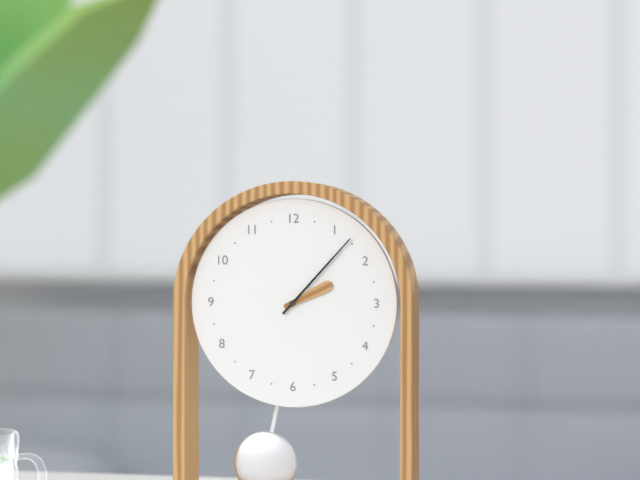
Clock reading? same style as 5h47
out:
2h07
